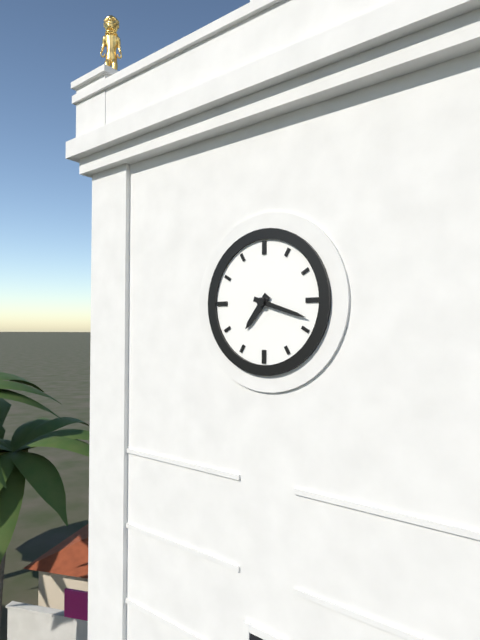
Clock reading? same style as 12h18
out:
7h18
